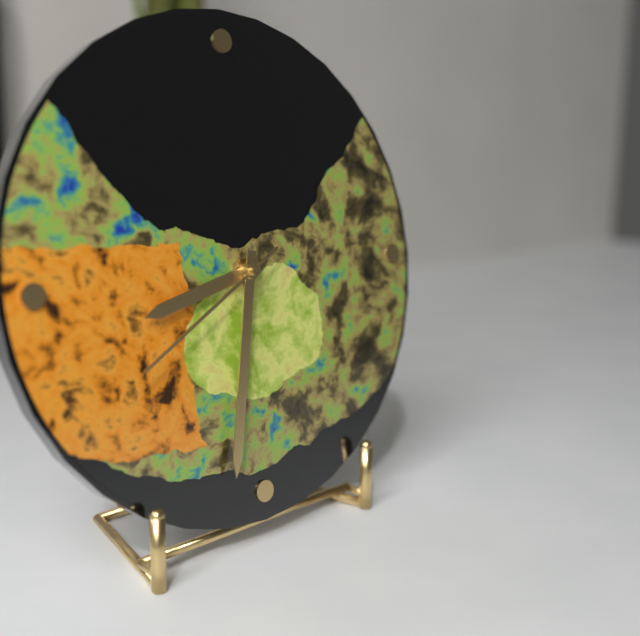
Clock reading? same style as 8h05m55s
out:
8h32m40s
